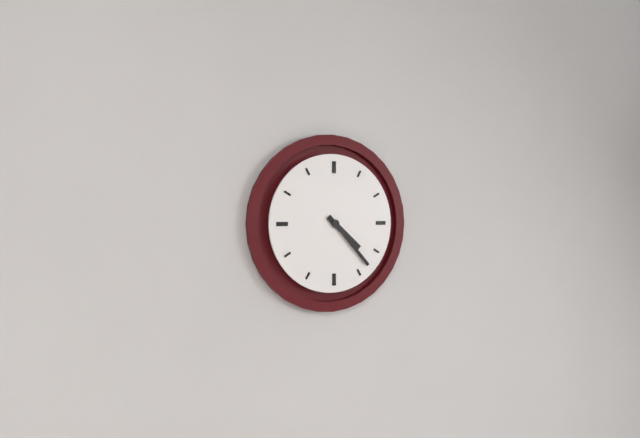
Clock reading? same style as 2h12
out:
4h23
